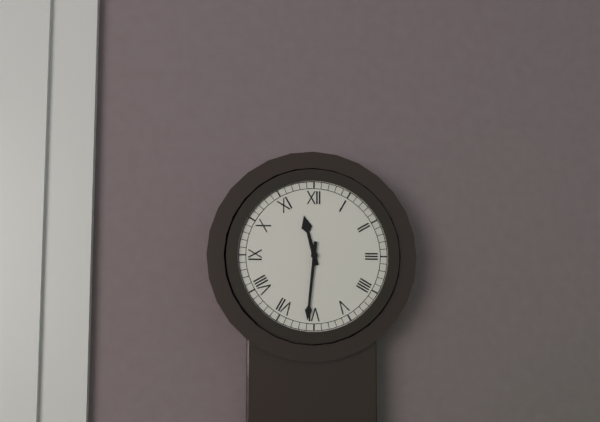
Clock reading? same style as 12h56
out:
11h31
